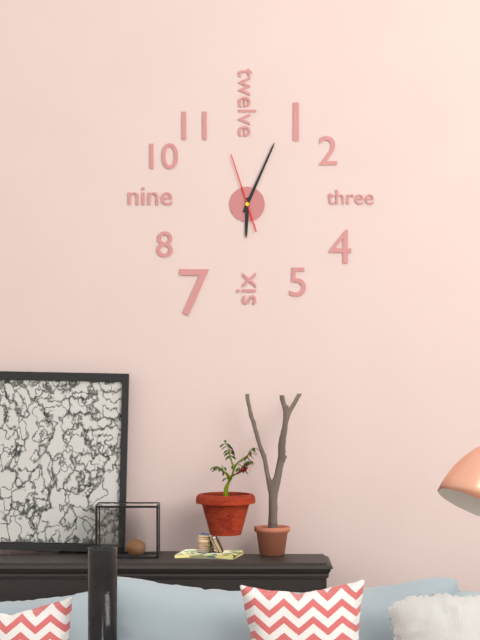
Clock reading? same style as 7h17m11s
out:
6h04m57s
